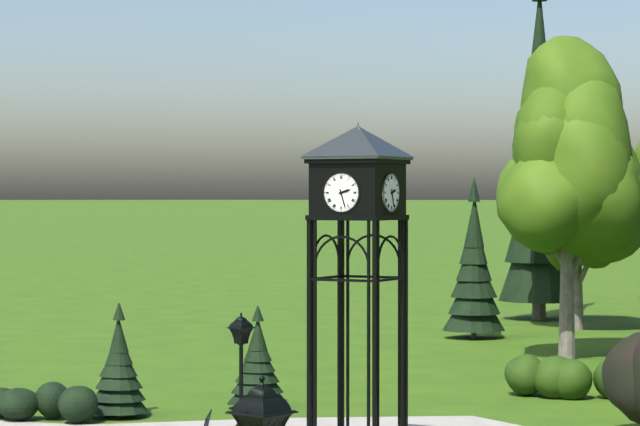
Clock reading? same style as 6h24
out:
2h27
